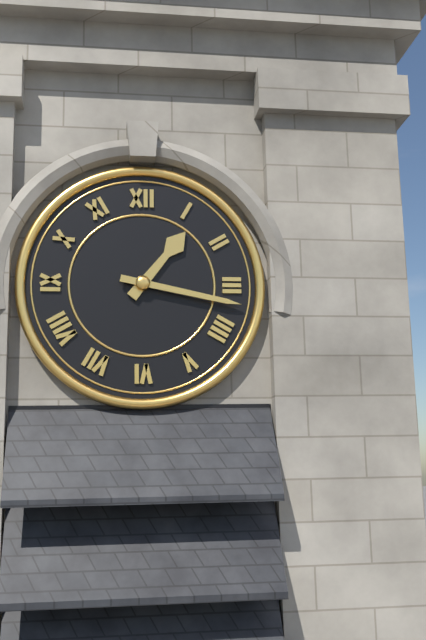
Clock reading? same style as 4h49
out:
1h17
